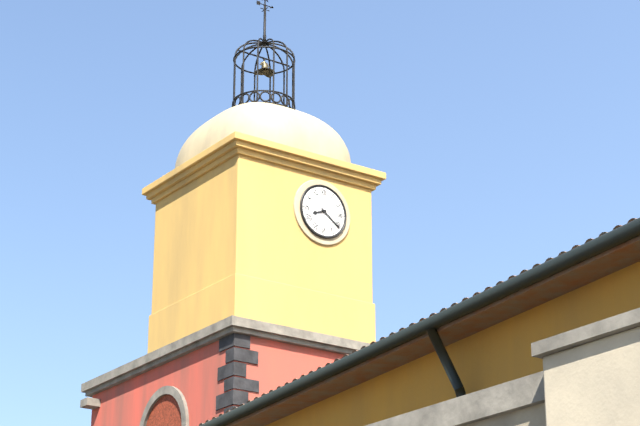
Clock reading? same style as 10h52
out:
8h21
